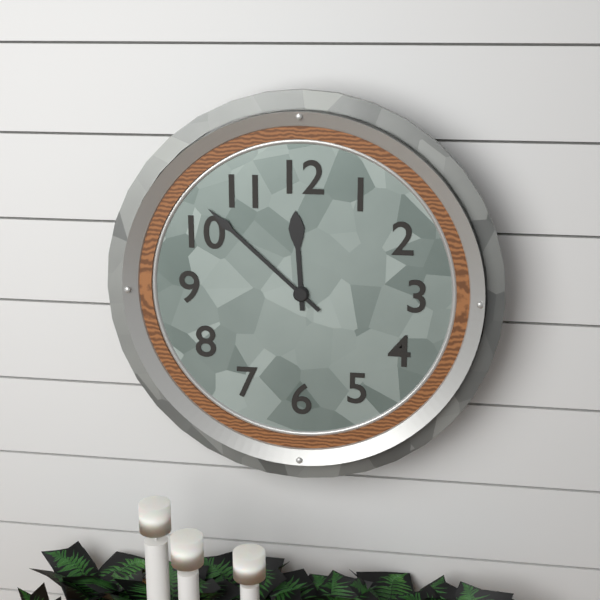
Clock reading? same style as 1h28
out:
11h52
